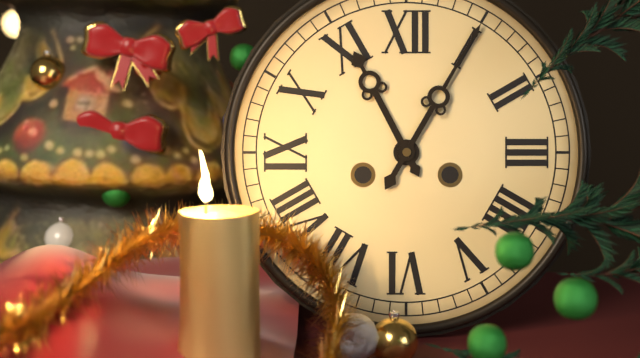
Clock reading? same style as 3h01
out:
11h05
